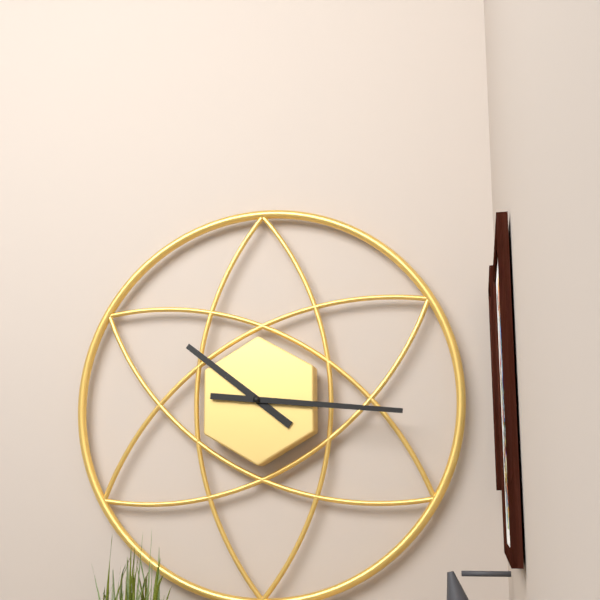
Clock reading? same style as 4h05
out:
10h16
